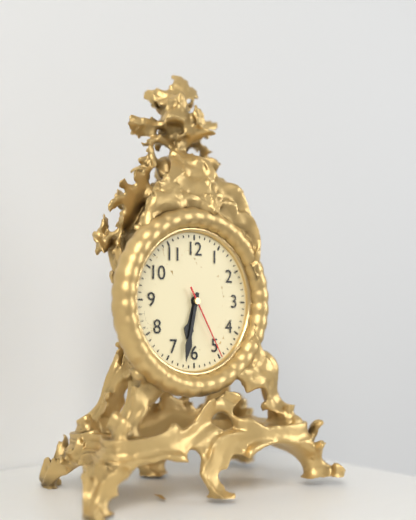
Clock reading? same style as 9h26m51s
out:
6h32m25s
